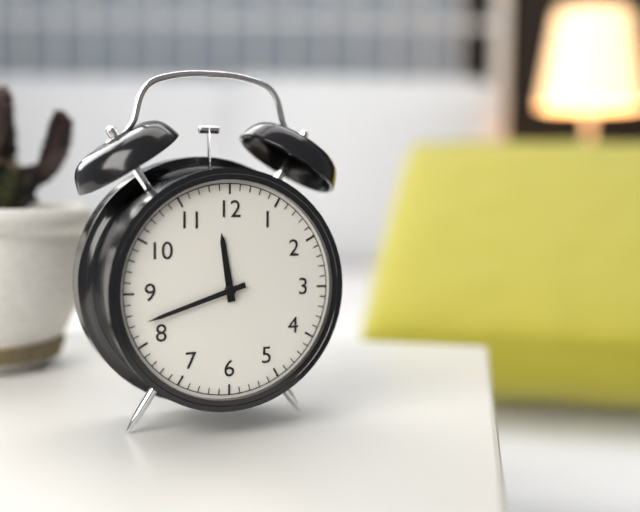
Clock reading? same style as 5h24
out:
11h42
